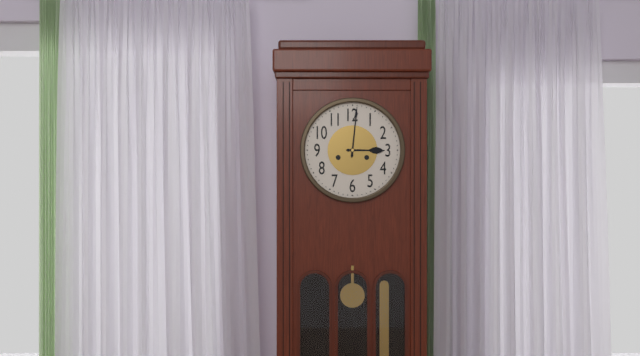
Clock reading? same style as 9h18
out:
3h01
